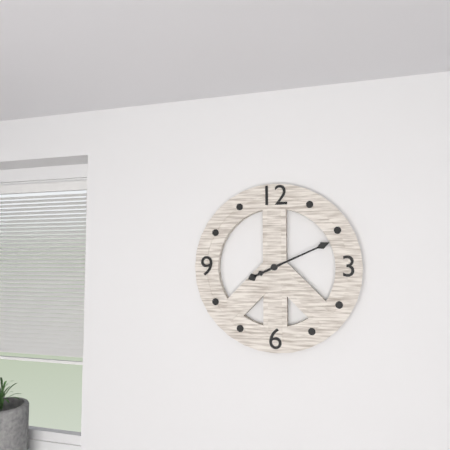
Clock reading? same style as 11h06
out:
8h11
